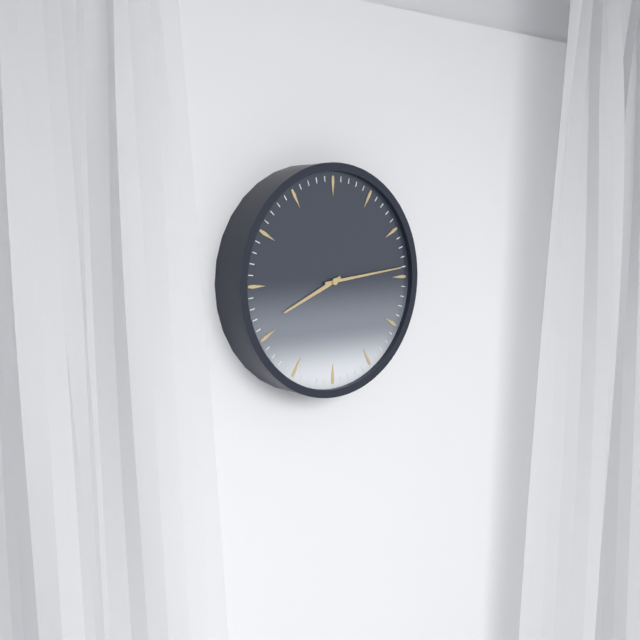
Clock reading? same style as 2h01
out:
8h14
